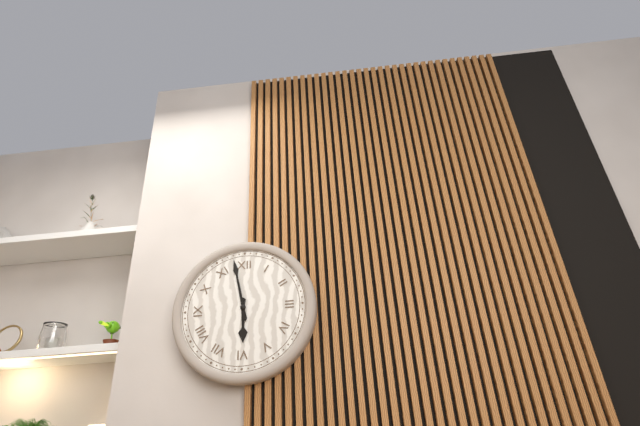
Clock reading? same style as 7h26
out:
5h58
